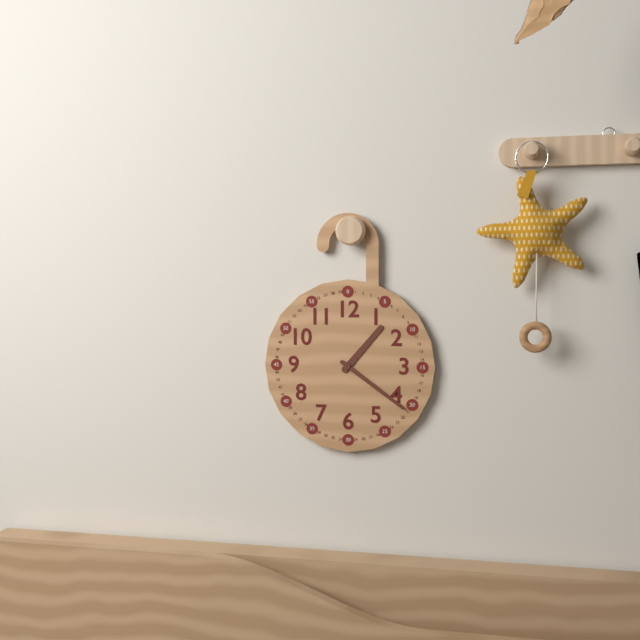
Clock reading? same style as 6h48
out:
1h21
